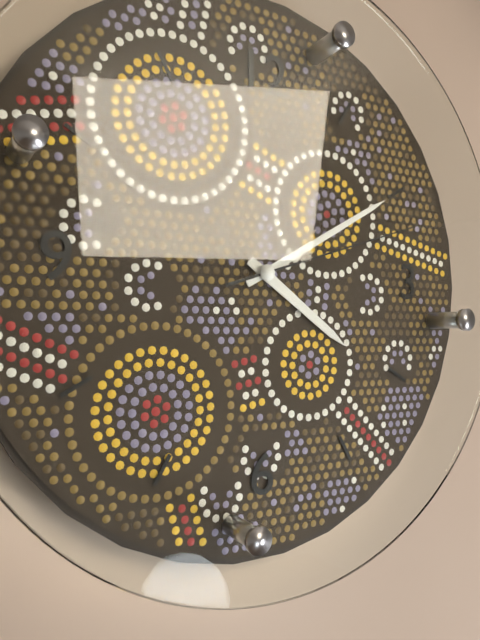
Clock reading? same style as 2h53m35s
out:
4h10m12s
